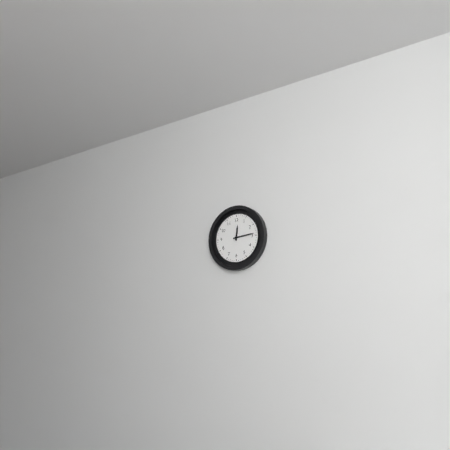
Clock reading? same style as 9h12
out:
12h14
